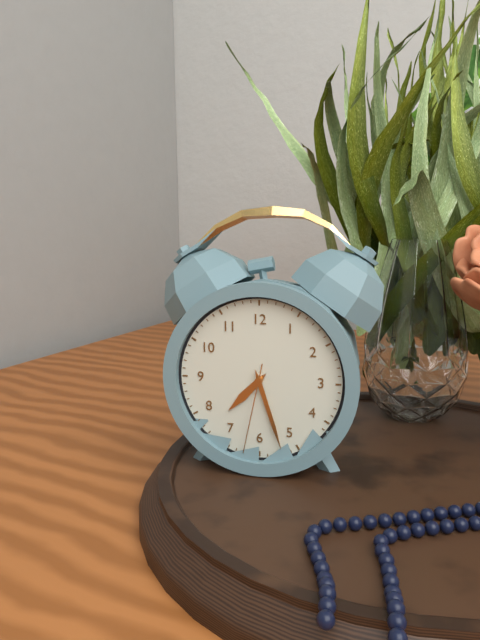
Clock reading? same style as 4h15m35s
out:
7h27m32s
